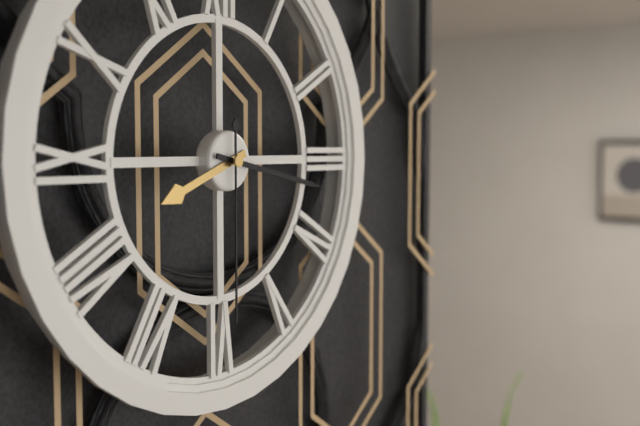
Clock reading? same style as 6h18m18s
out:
8h17m30s
